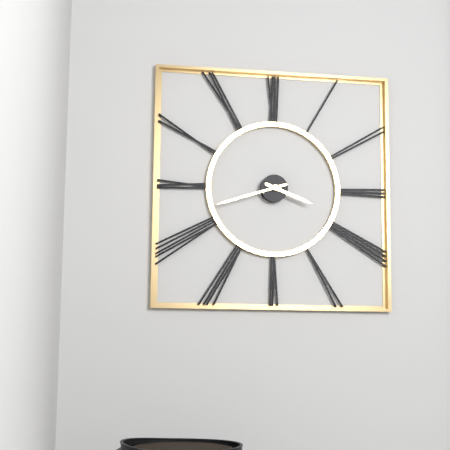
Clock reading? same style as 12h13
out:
3h42
